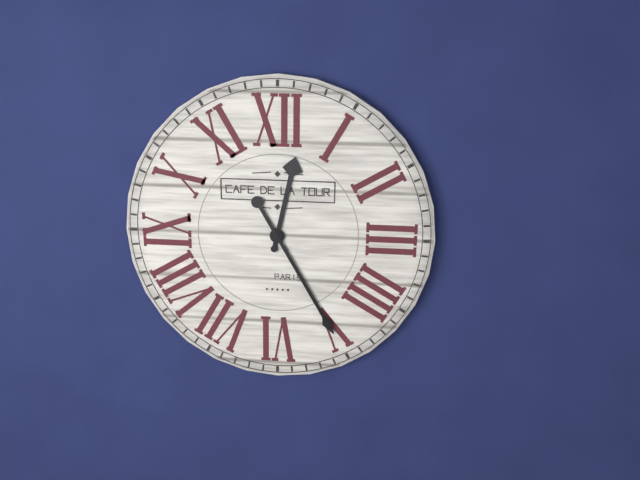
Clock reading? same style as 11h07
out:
12h25
